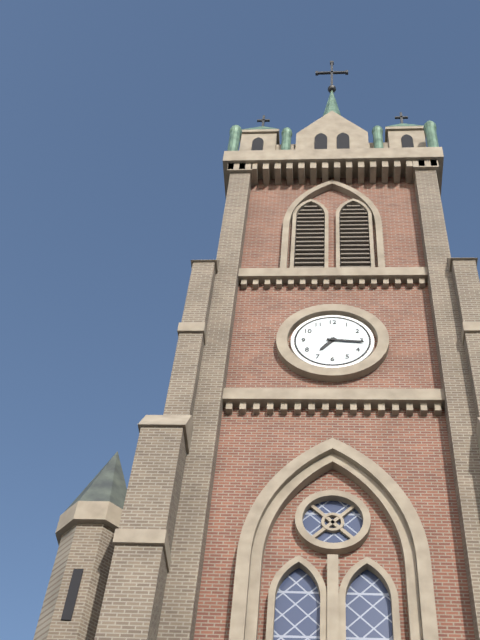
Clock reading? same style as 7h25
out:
7h16
